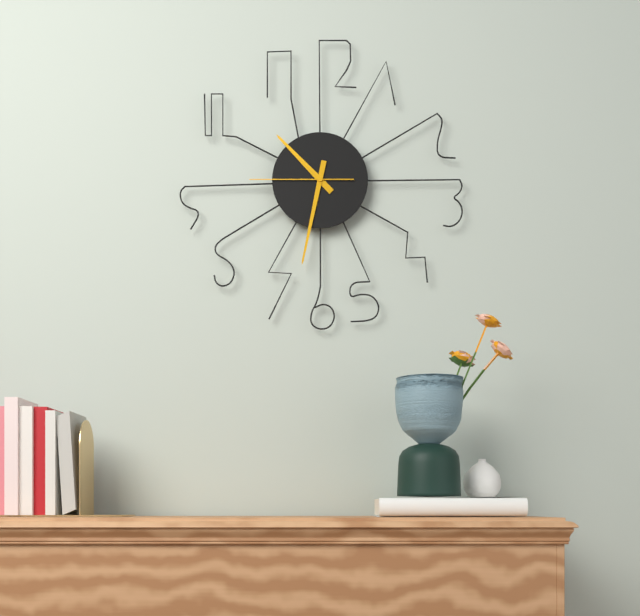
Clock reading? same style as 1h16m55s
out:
10h32m45s
